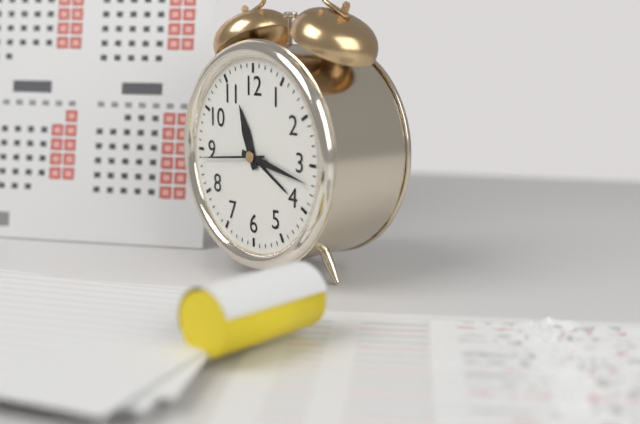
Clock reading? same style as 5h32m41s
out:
11h17m44s
